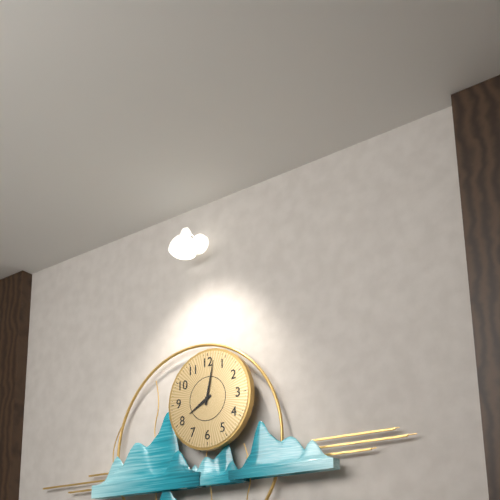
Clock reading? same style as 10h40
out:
8h02
